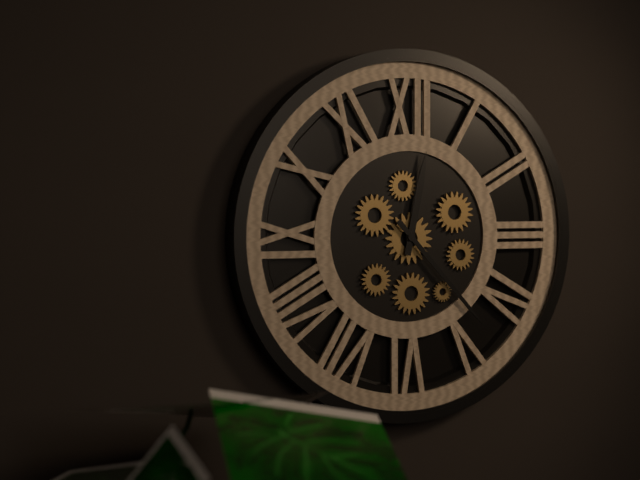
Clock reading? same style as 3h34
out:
12h23
